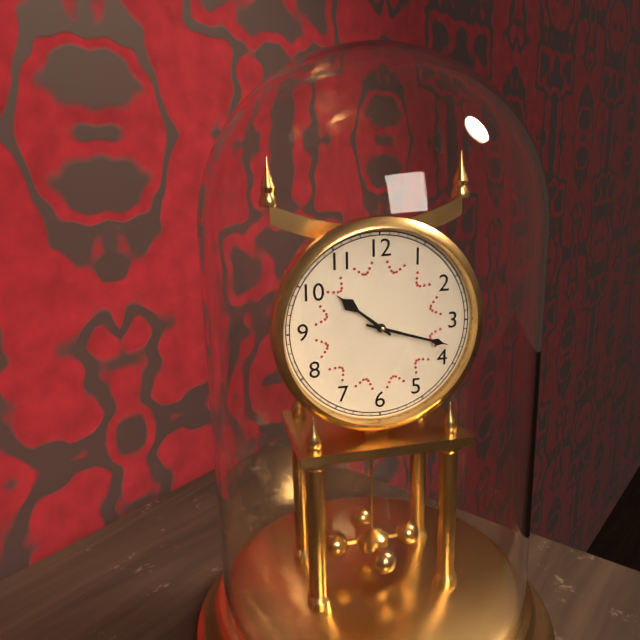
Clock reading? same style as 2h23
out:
10h18
